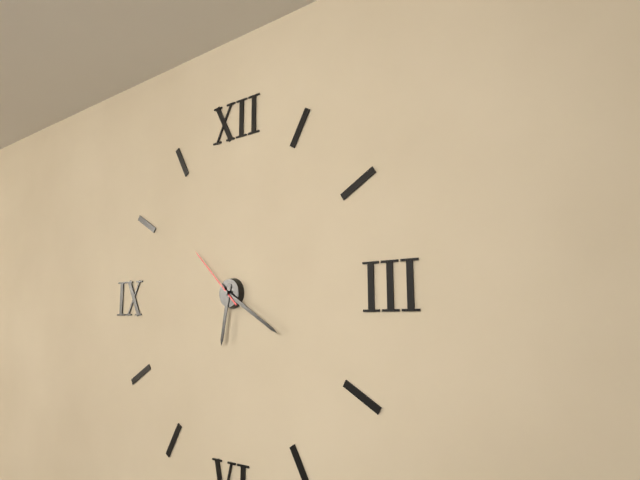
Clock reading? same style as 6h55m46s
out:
6h20m52s
